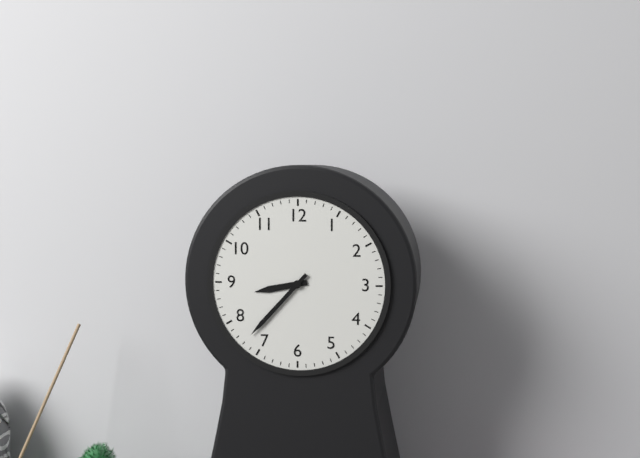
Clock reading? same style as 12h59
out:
8h37
